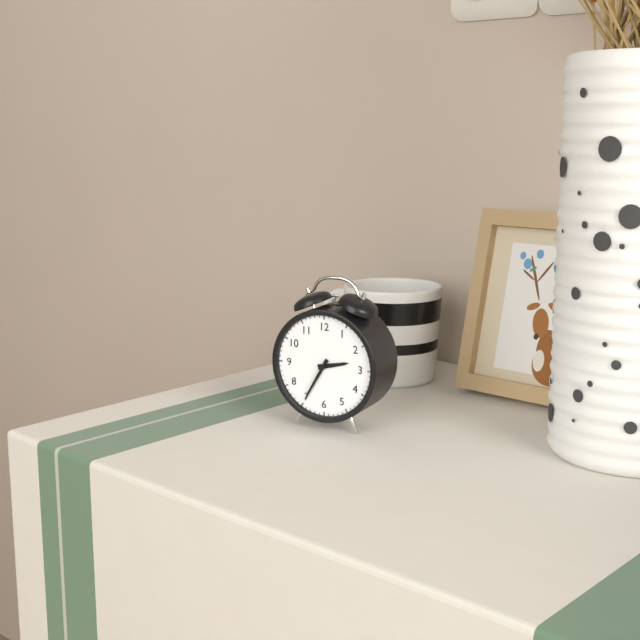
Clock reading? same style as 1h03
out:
2h35
